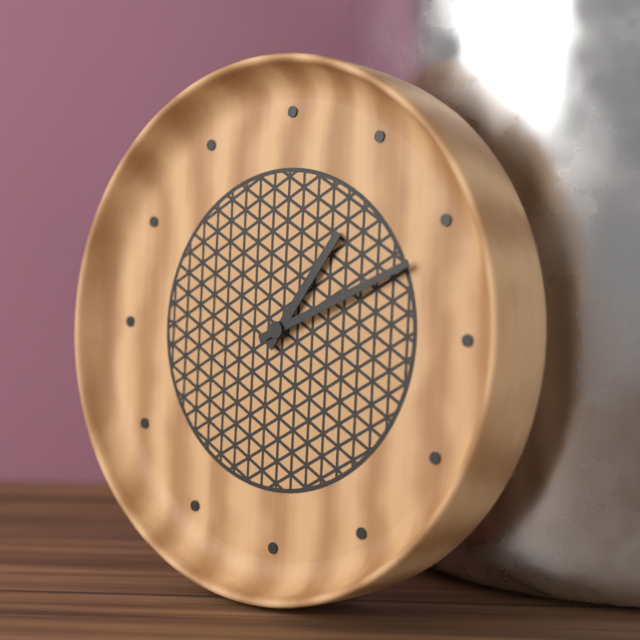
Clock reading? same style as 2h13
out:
1h11
